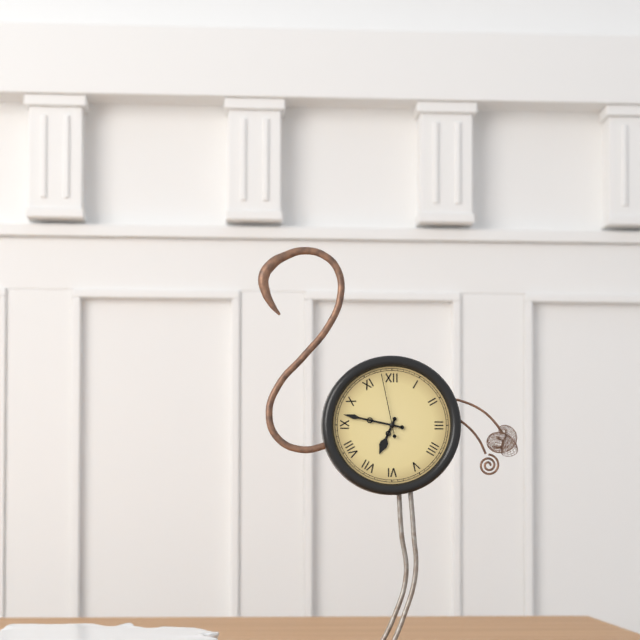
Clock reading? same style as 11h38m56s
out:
6h47m58s
